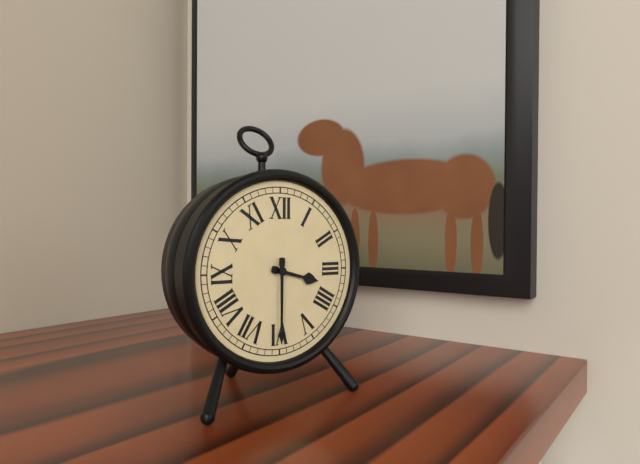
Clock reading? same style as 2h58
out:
3h30
